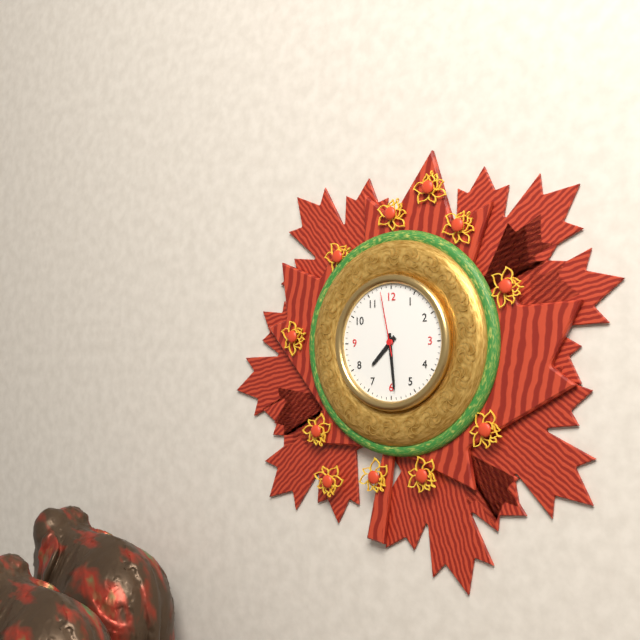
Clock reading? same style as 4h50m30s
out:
7h29m58s
